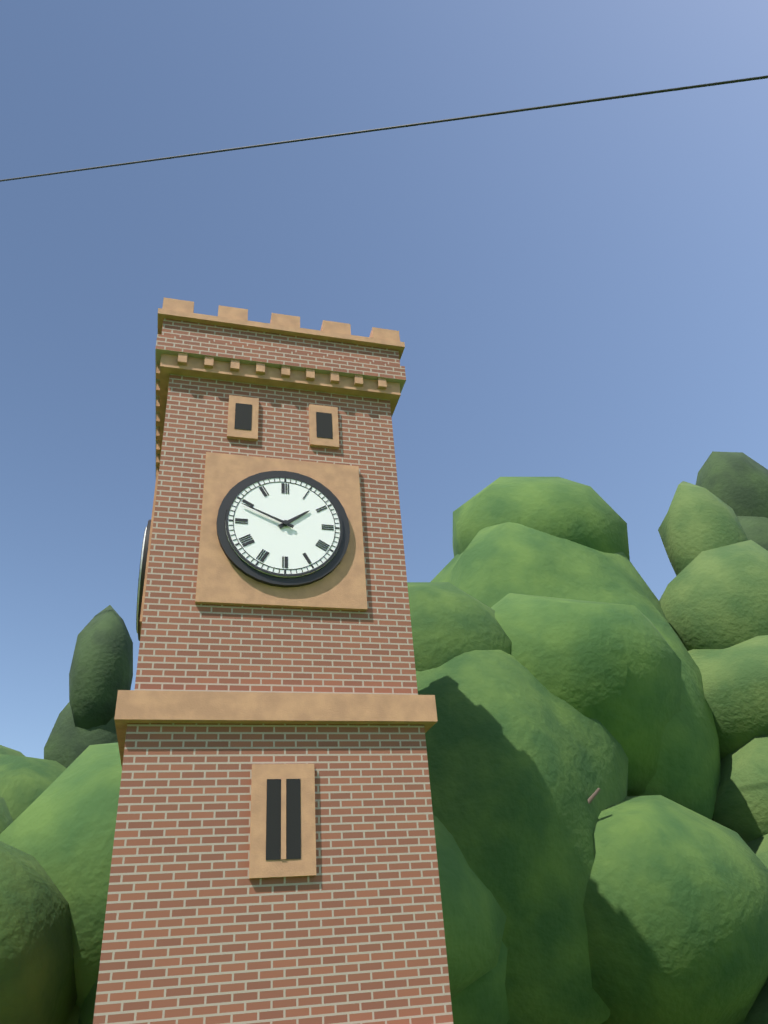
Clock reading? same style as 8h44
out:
1h49
